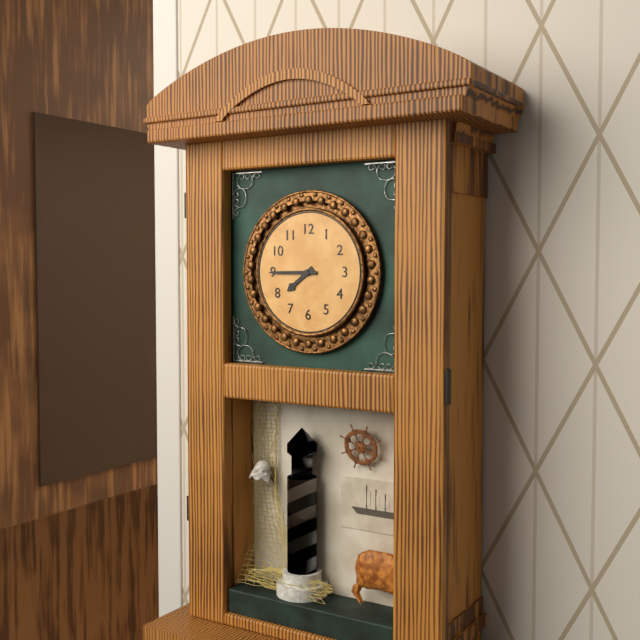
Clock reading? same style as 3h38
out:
7h45
